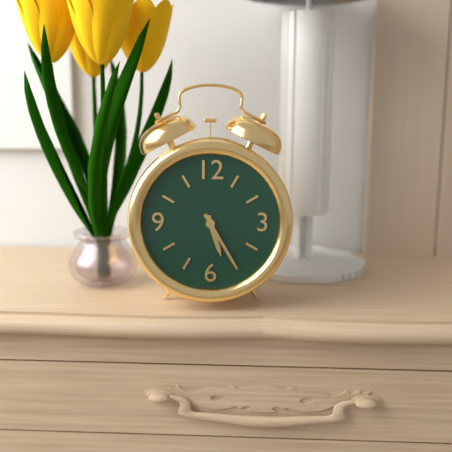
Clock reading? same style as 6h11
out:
5h25
